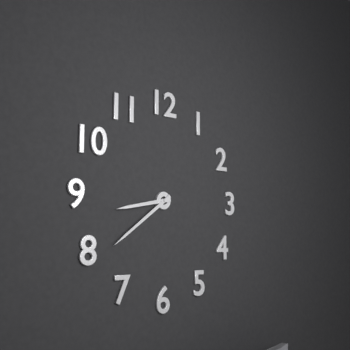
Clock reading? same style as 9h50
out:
8h39
